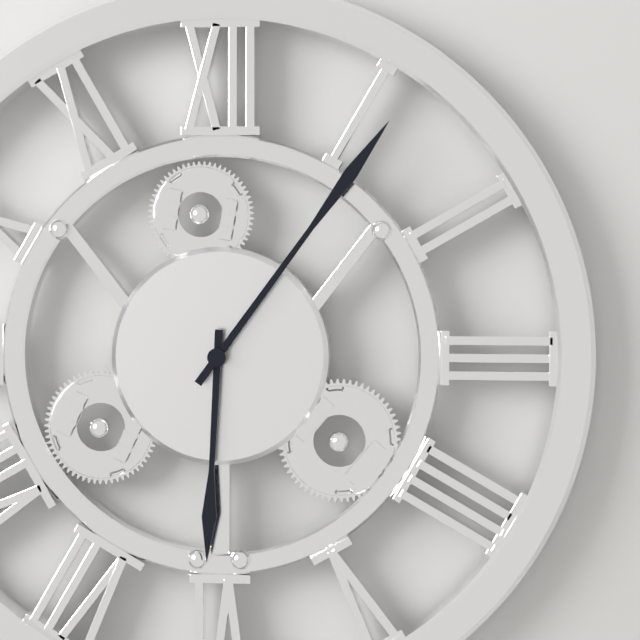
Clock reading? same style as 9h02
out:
6h06
